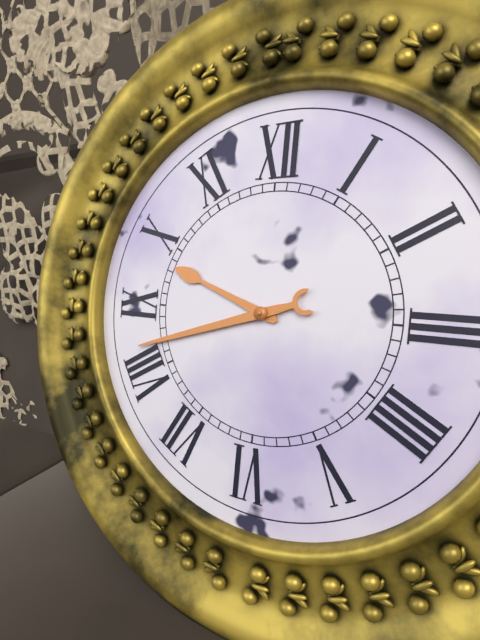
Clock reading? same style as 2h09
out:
9h42
